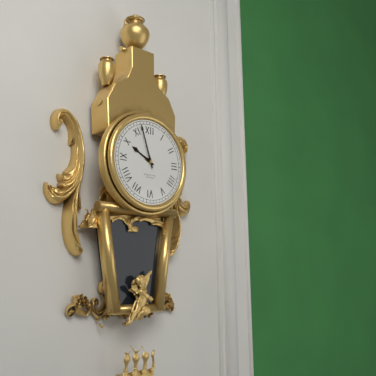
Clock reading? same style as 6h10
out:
9h57
